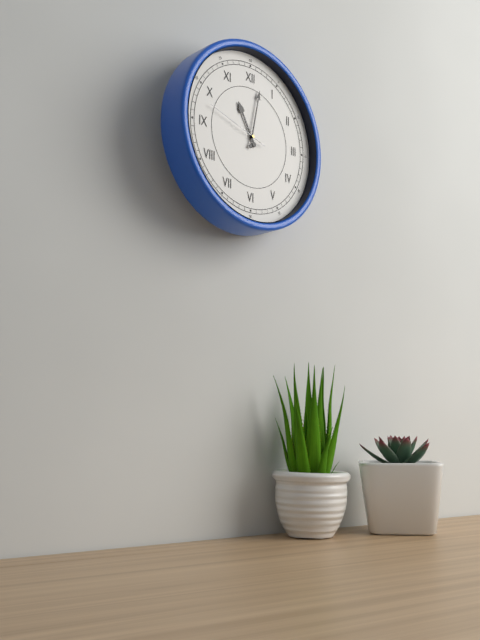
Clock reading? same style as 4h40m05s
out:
11h02m48s
